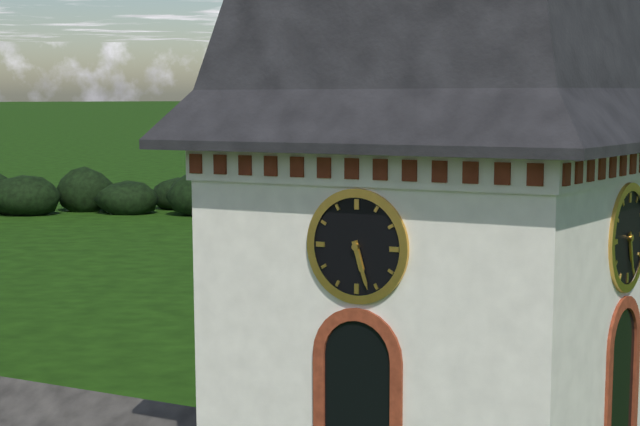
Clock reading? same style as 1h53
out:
5h27
